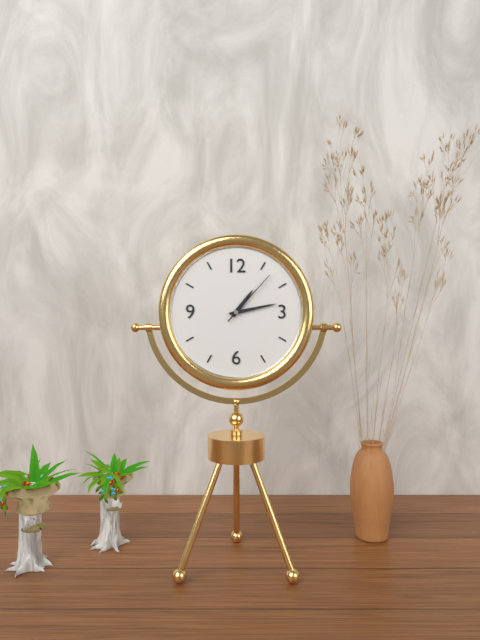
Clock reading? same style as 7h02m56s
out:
1h13m07s
